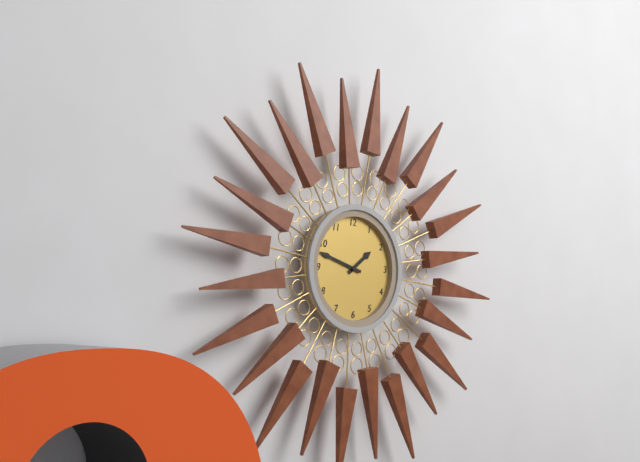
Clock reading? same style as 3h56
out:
1h48
